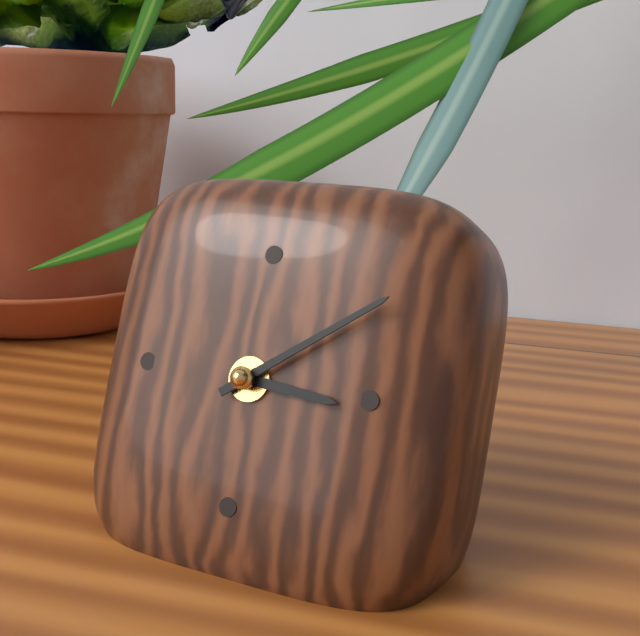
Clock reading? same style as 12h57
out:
3h09
